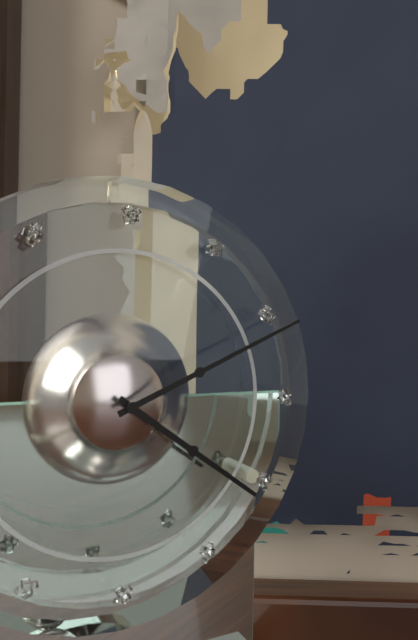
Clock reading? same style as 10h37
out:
4h11
